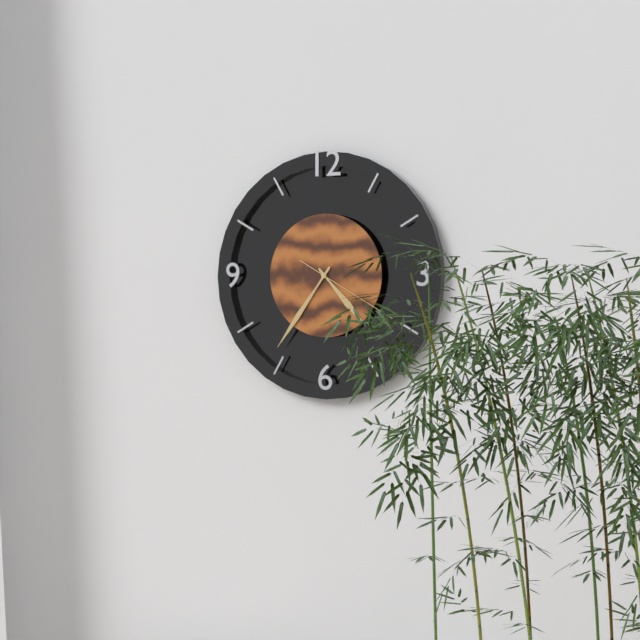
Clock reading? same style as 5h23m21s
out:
4h36m20s
